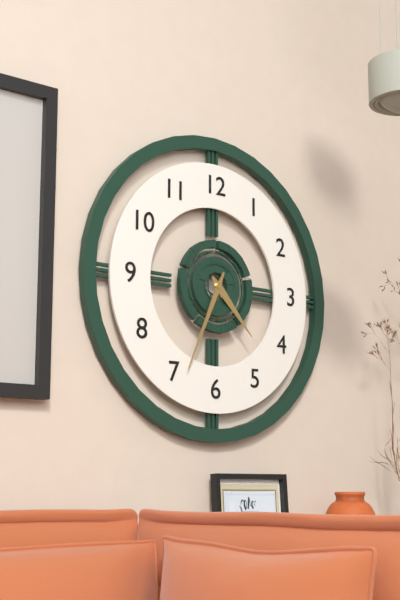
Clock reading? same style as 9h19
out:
4h34
